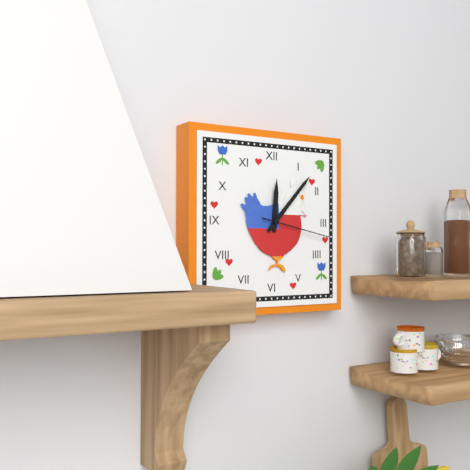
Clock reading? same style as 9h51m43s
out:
12h07m17s
